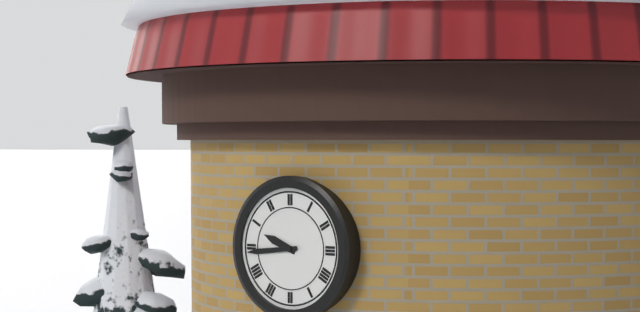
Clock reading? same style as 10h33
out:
9h44
